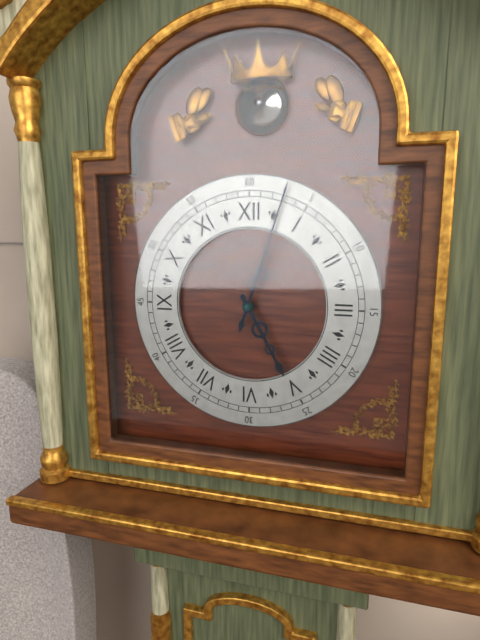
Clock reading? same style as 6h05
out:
5h03
